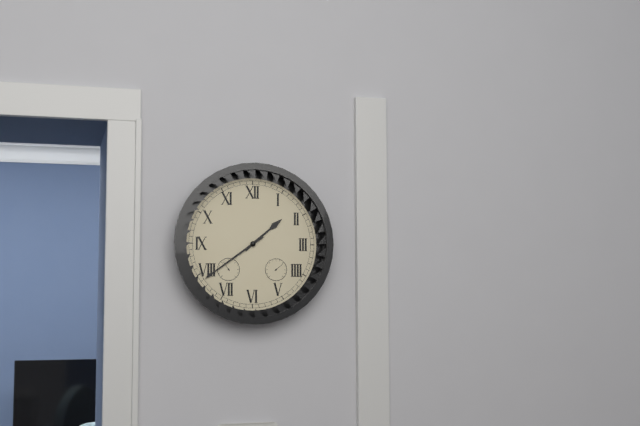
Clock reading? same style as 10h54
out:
1h39
